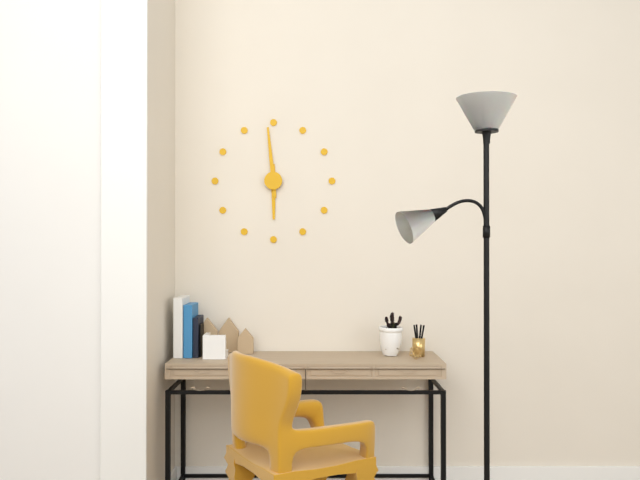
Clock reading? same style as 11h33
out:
5h59
